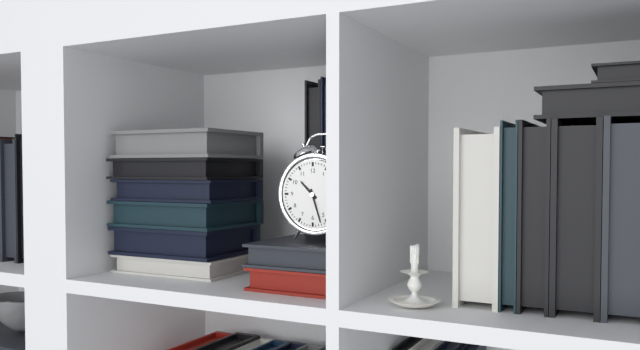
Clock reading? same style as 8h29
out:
10h27
